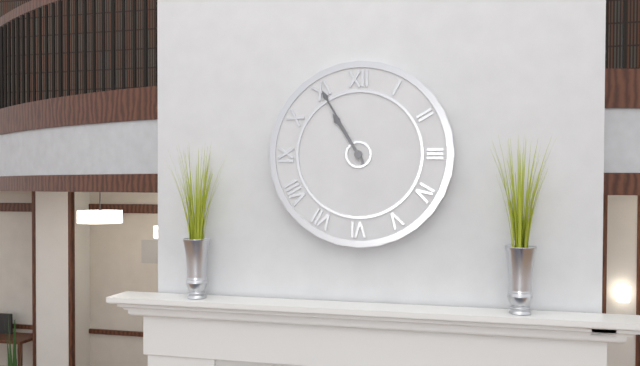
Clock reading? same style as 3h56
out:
10h55
